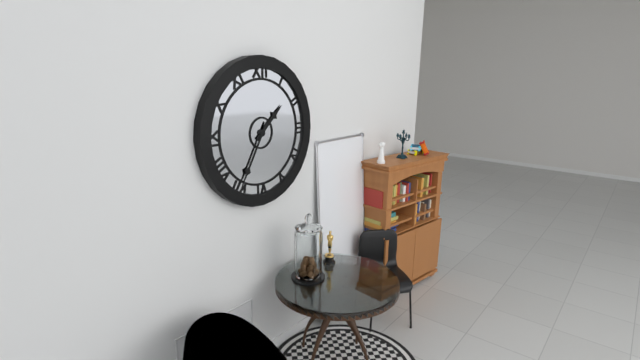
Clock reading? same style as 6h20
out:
1h35
